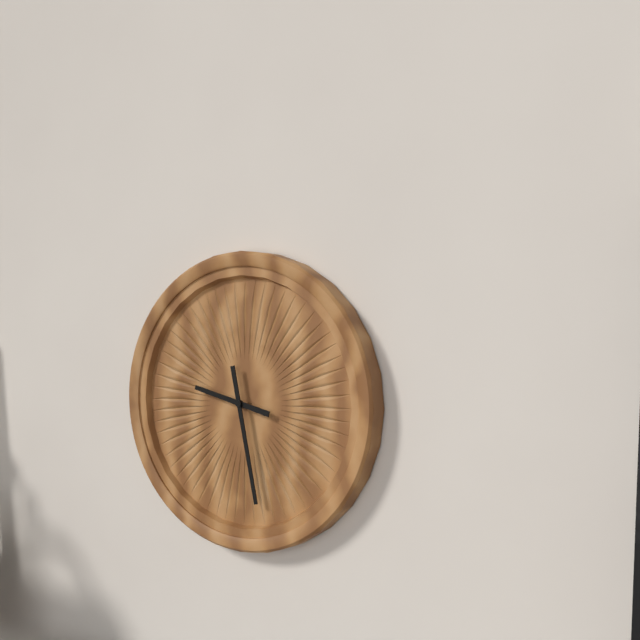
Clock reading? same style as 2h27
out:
9h28
